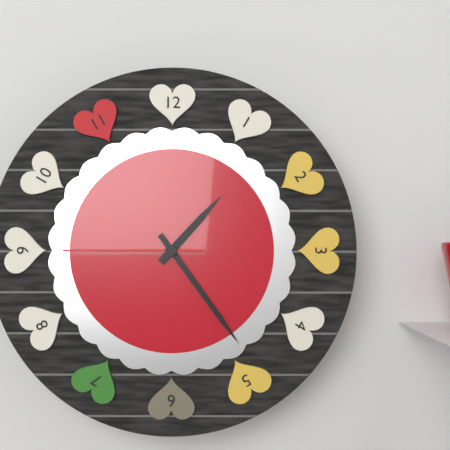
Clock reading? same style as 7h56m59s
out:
1h24m45s
